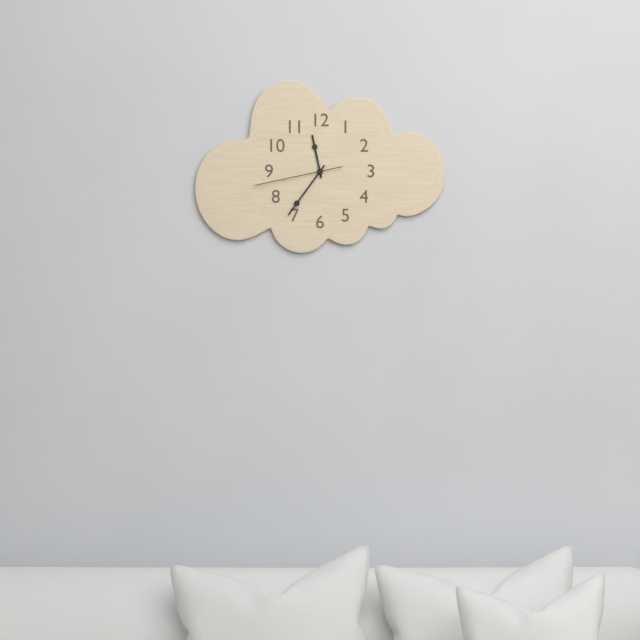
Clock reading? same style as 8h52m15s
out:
11h36m43s
